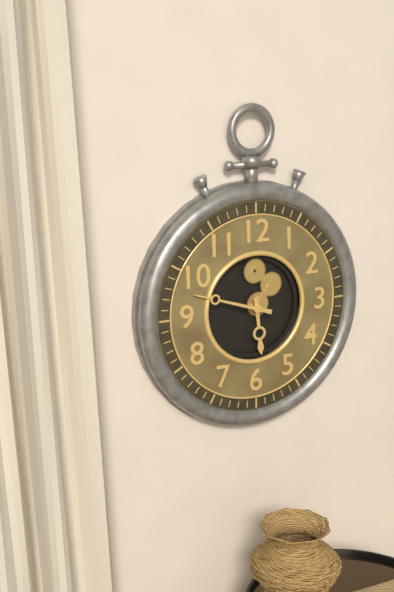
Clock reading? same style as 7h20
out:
5h48
